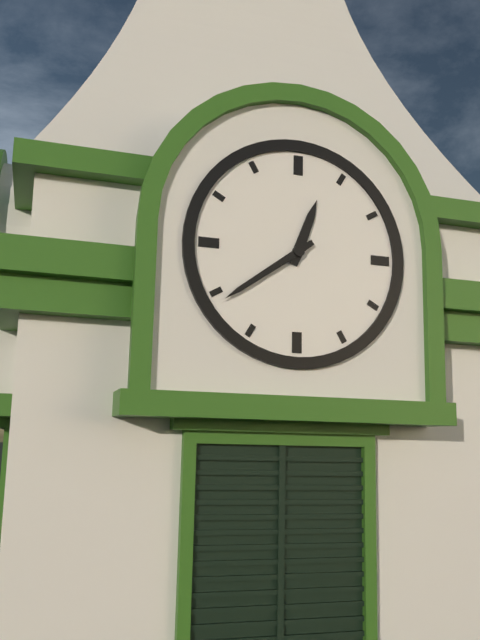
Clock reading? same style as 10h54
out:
12h39
